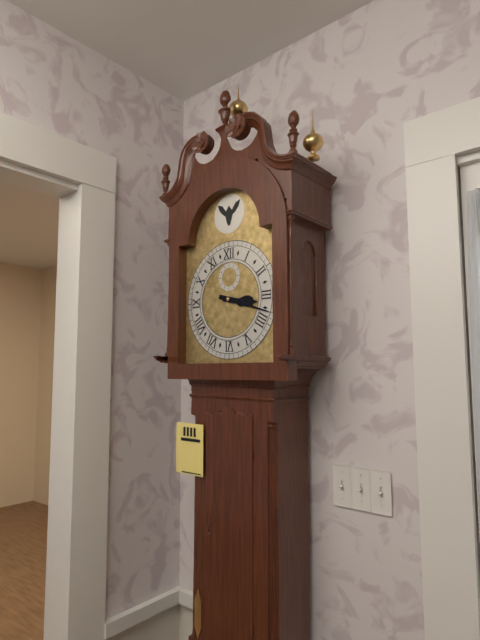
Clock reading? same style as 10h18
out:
3h18
